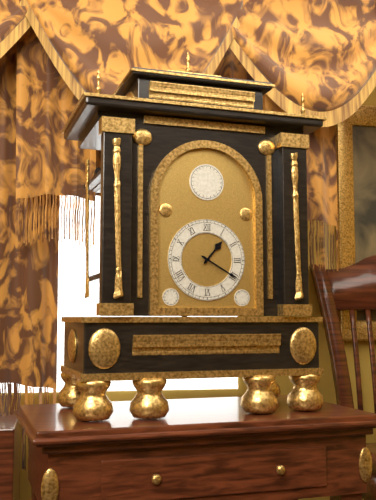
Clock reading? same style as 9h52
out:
1h20
